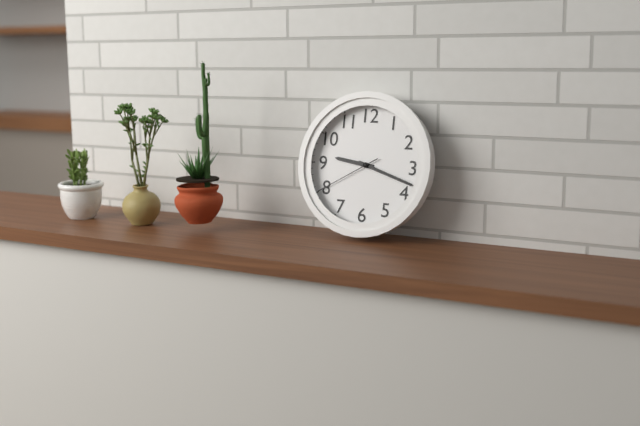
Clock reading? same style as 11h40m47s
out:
9h18m40s
